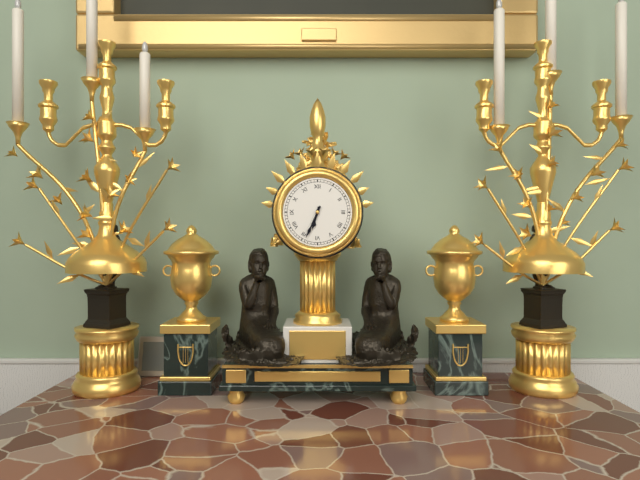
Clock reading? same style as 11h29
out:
6h34
